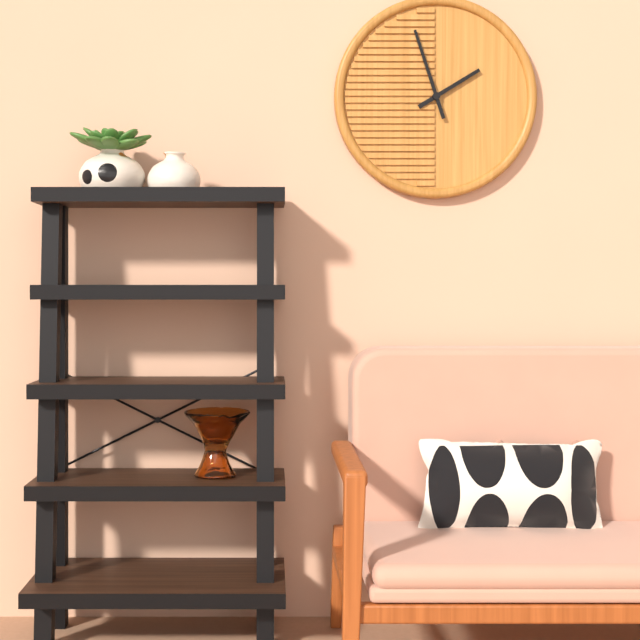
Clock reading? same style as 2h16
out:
1h57
